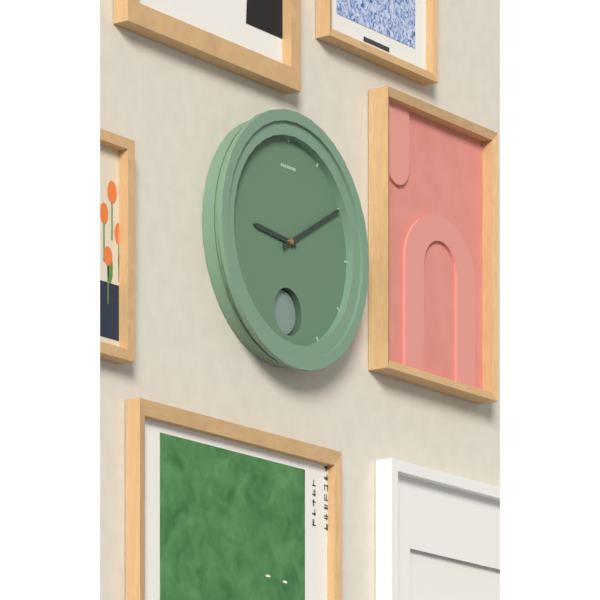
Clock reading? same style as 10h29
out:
9h10
